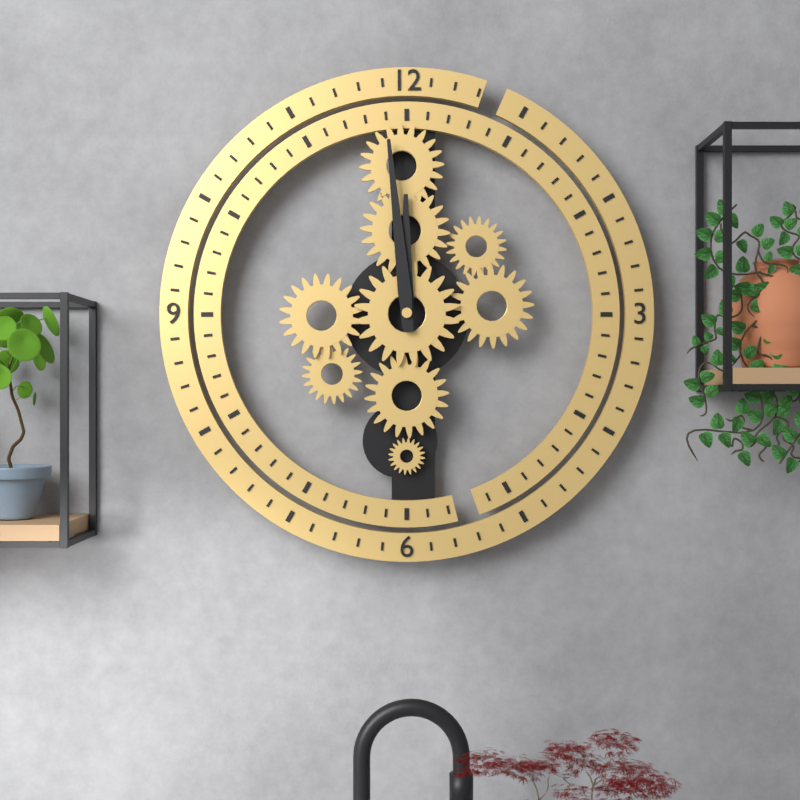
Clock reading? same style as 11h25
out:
11h59
